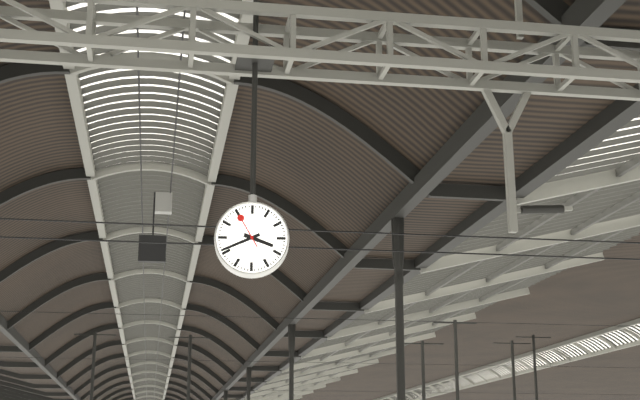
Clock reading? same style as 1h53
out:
3h41
